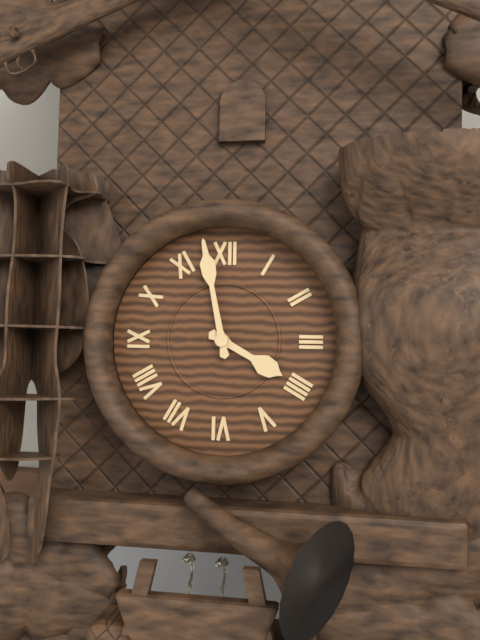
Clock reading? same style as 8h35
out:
3h58
